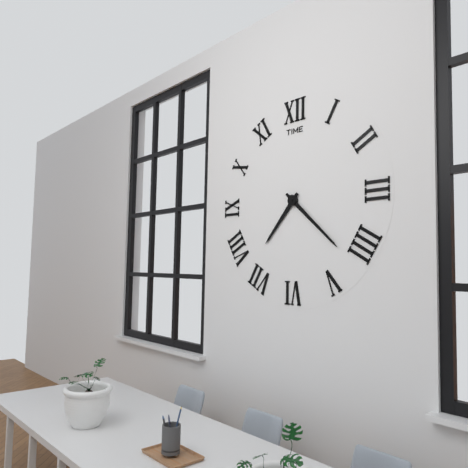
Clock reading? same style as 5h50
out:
7h22
